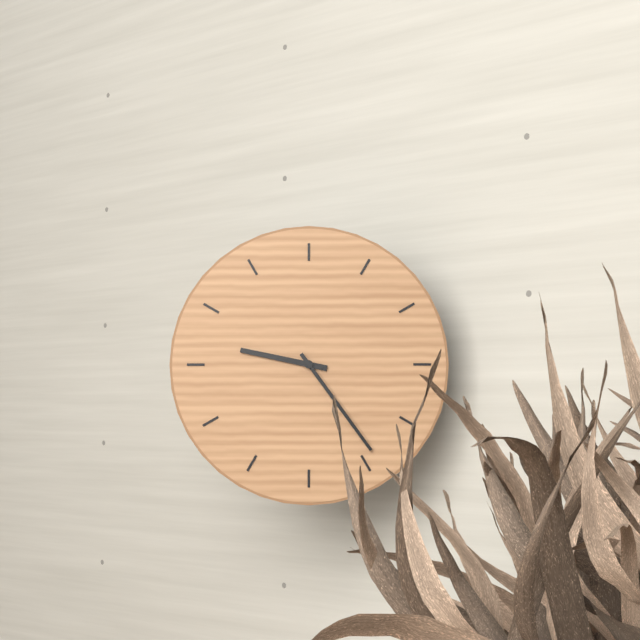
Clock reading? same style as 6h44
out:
9h24
